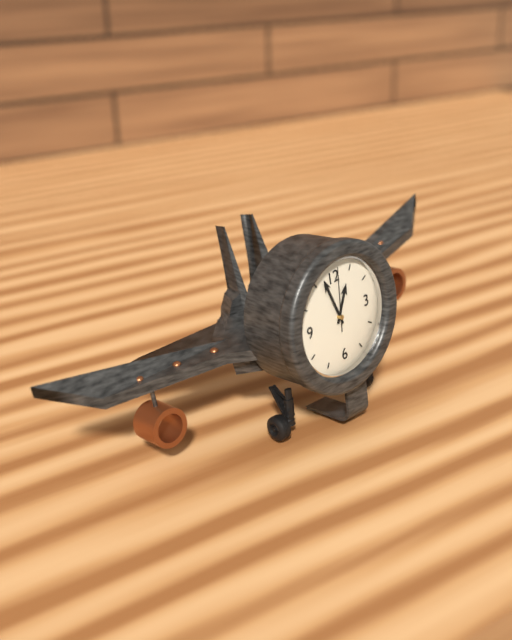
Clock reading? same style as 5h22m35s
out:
12h57m01s
